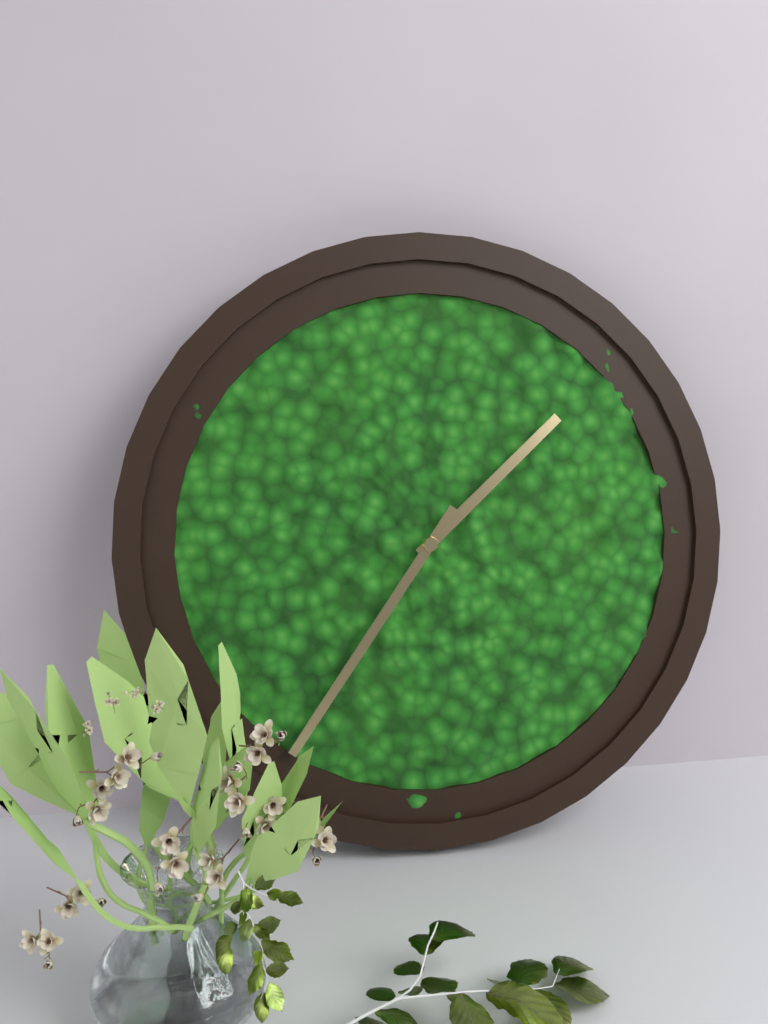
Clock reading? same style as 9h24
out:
1h36
